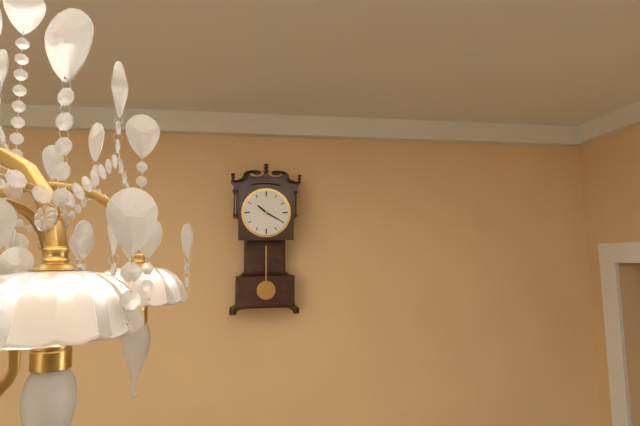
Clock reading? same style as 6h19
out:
10h20
